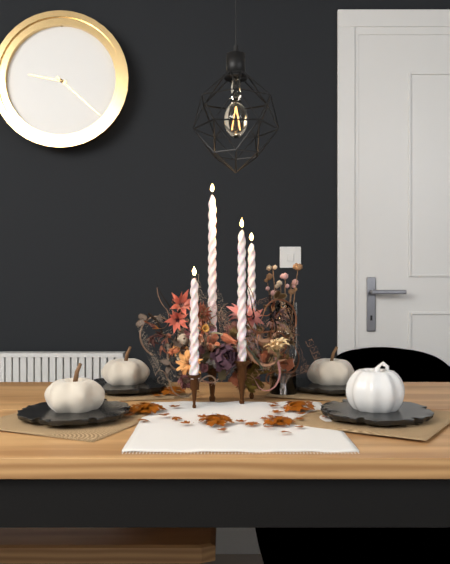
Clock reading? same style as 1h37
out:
9h22
